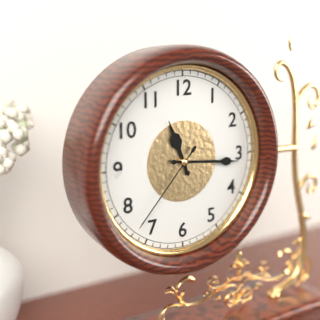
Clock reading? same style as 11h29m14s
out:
11h16m37s
